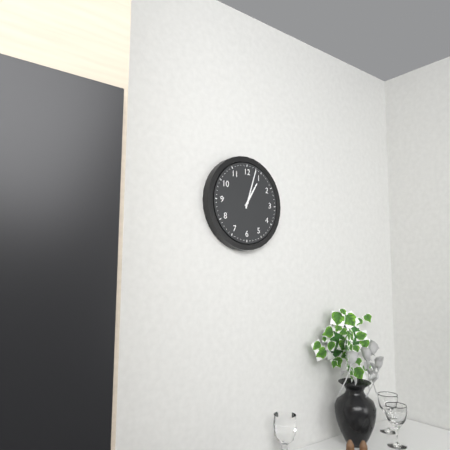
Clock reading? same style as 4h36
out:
1h03
